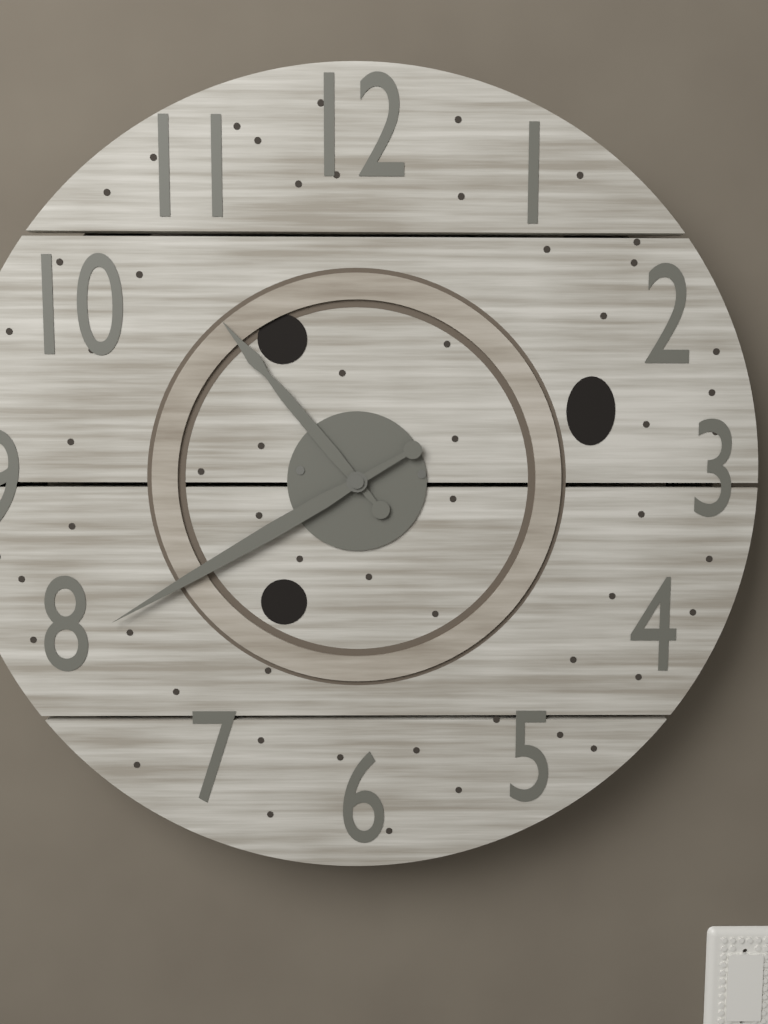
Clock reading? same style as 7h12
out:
10h40
